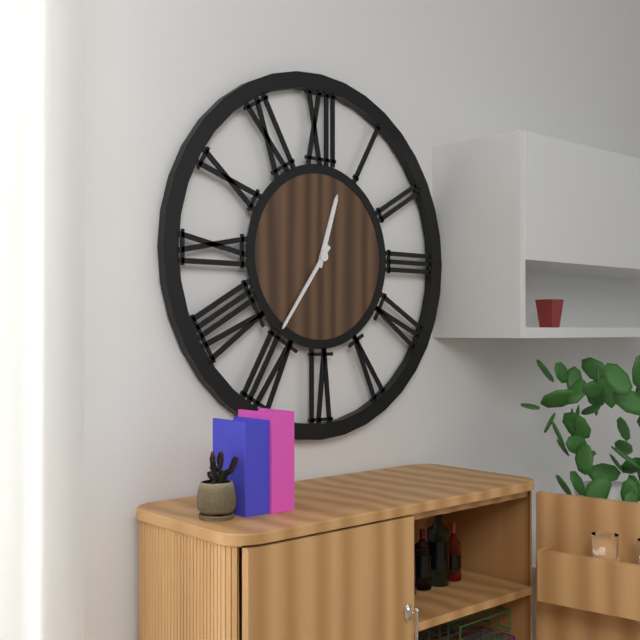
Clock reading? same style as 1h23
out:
12h36
